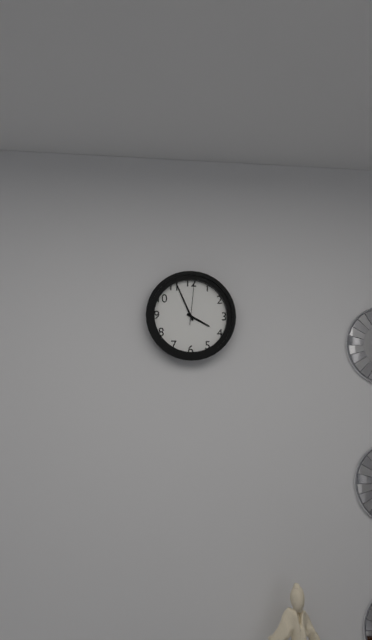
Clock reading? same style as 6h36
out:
3h56
